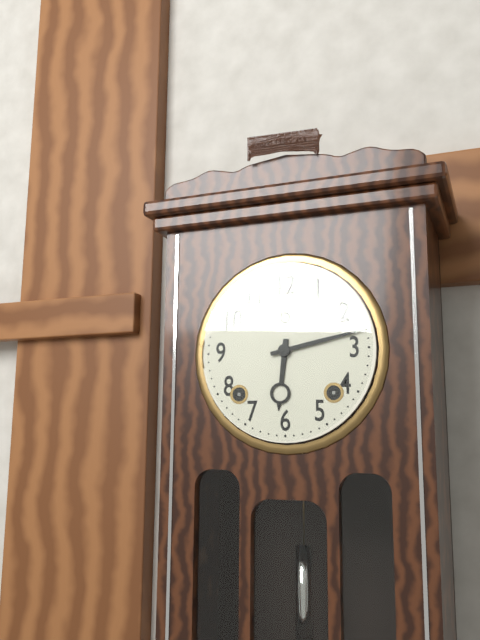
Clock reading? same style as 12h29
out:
6h13
